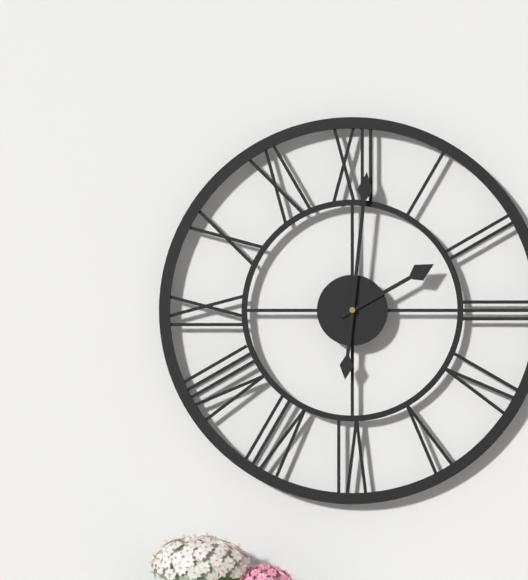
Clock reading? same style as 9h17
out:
2h01
